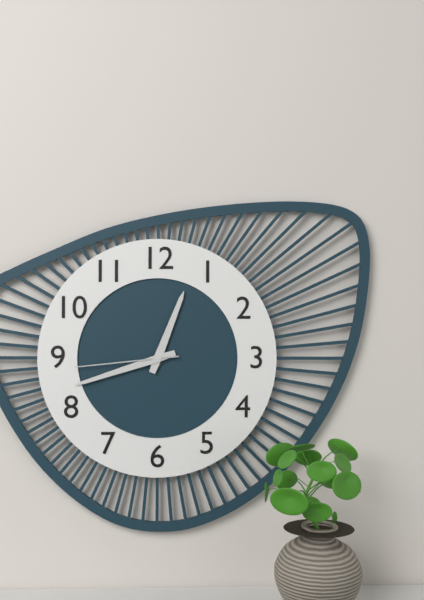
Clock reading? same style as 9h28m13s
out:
12h42m44s
